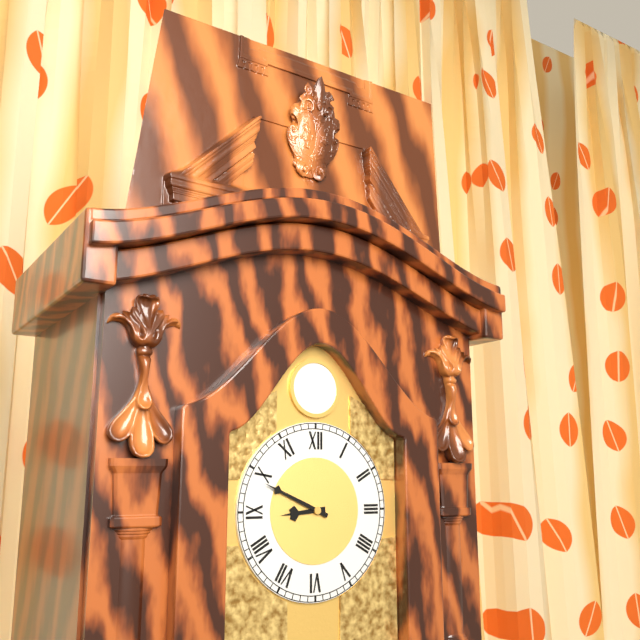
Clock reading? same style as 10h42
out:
8h49
